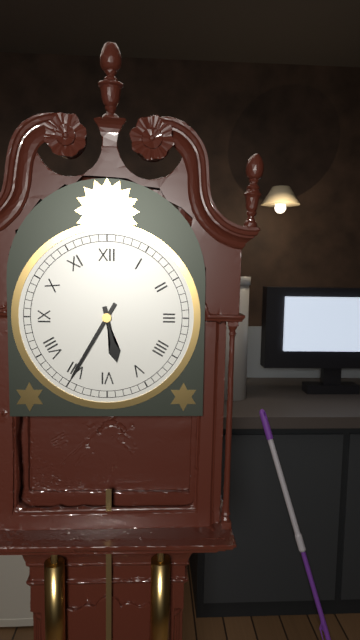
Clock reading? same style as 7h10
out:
5h35
